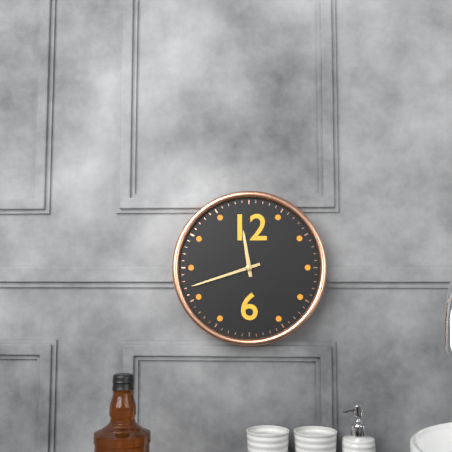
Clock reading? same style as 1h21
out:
11h42
